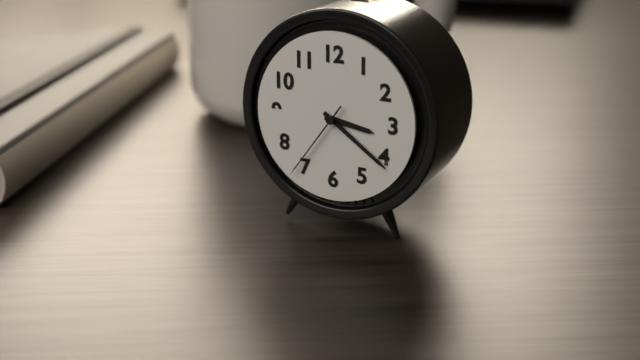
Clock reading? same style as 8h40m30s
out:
3h21m36s
